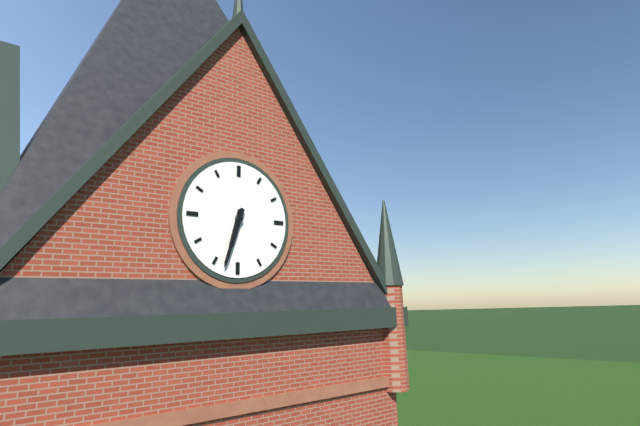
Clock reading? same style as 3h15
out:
6h33
